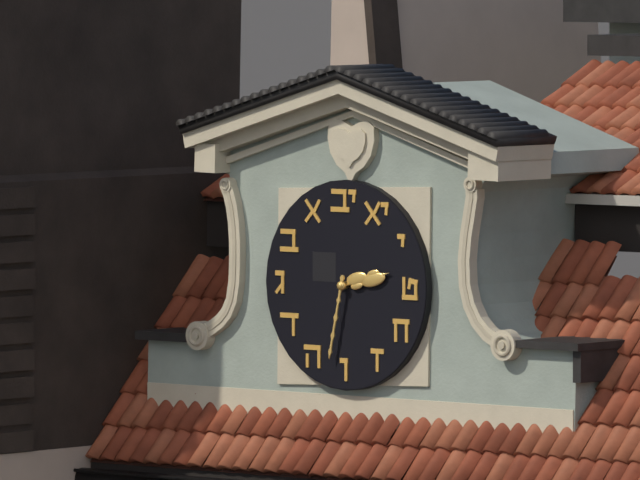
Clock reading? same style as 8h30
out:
2h32
